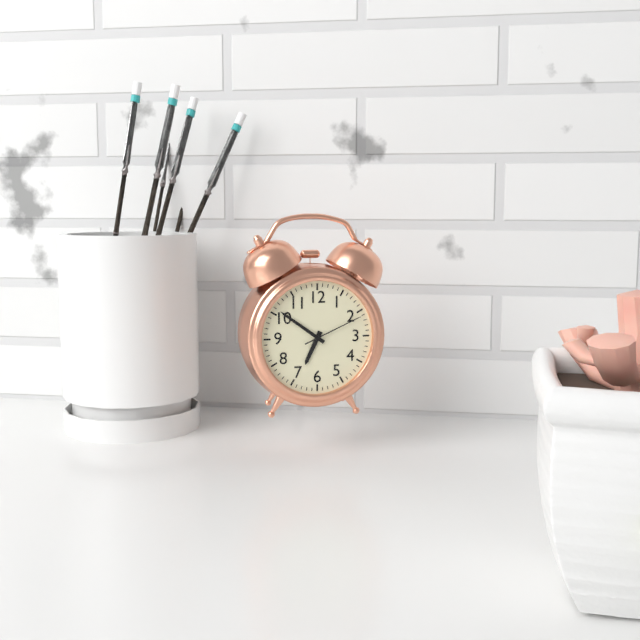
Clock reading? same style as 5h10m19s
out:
6h51m11s
